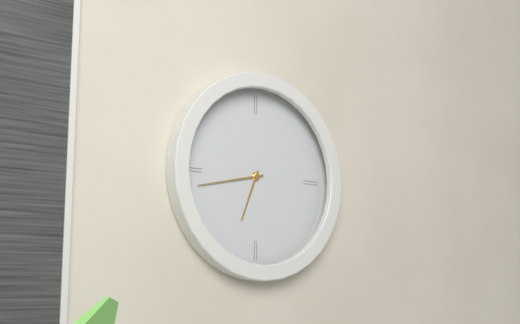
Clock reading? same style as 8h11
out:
6h43
